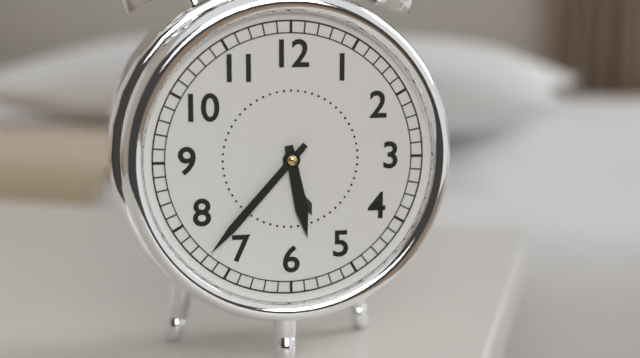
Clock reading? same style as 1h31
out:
5h37
